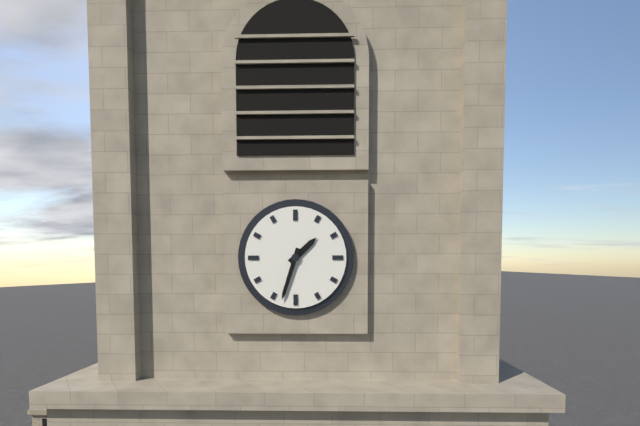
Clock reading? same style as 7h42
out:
1h33
